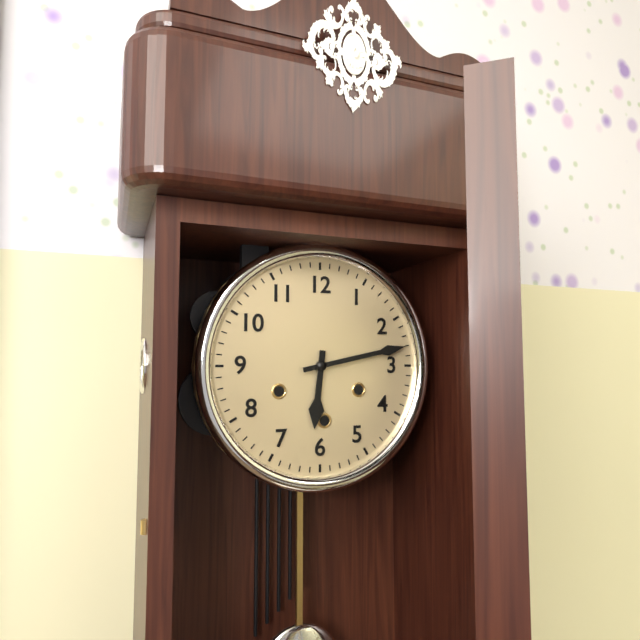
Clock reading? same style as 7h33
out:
6h13
